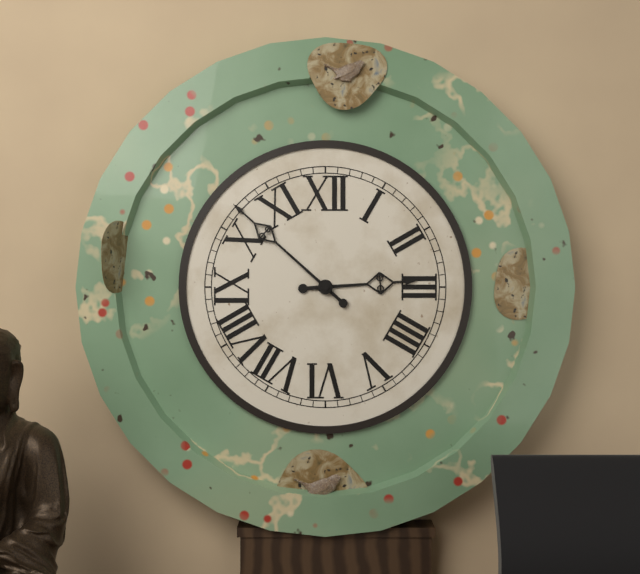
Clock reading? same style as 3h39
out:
2h52
